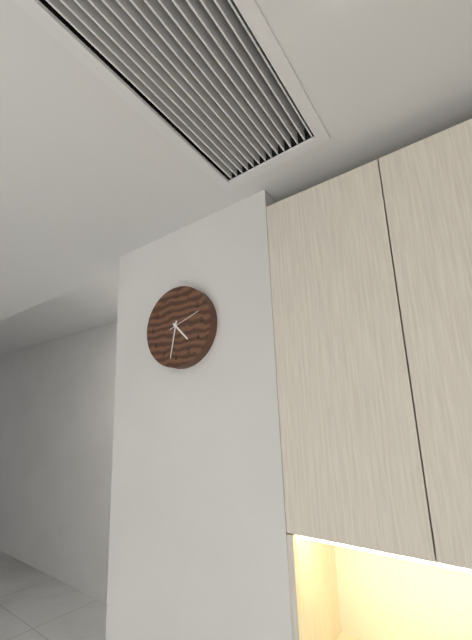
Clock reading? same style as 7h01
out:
4h32
